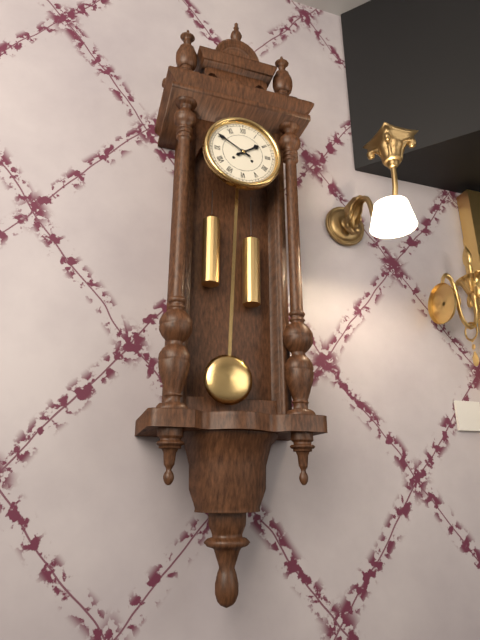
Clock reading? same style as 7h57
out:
1h50
